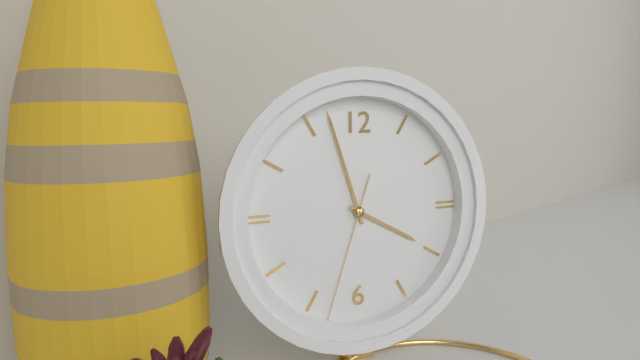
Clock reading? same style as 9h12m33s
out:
3h57m33s
